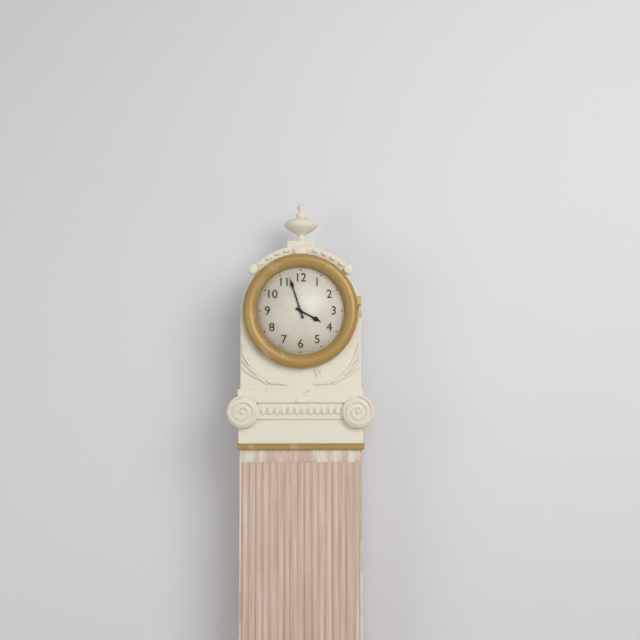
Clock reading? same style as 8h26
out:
3h57
